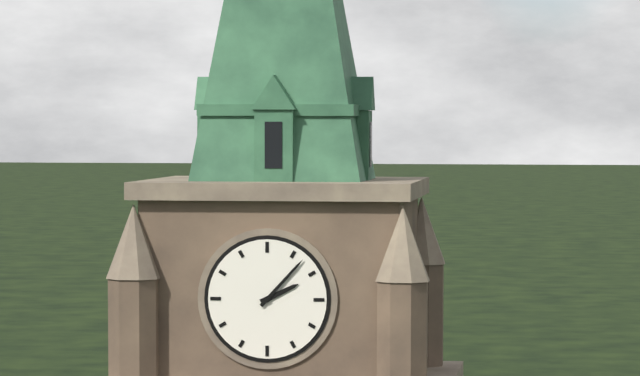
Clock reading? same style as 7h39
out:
2h07
